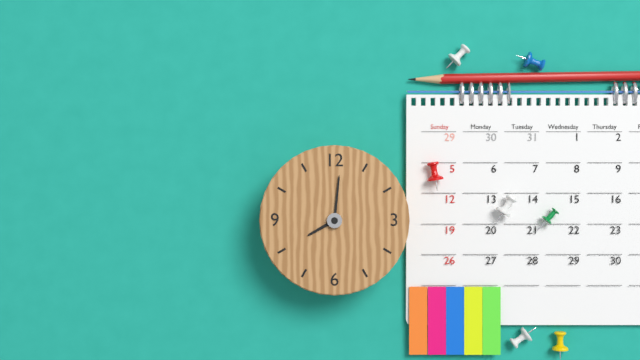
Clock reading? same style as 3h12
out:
8h01
